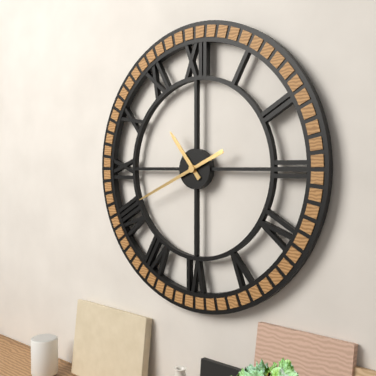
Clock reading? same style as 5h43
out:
10h41
